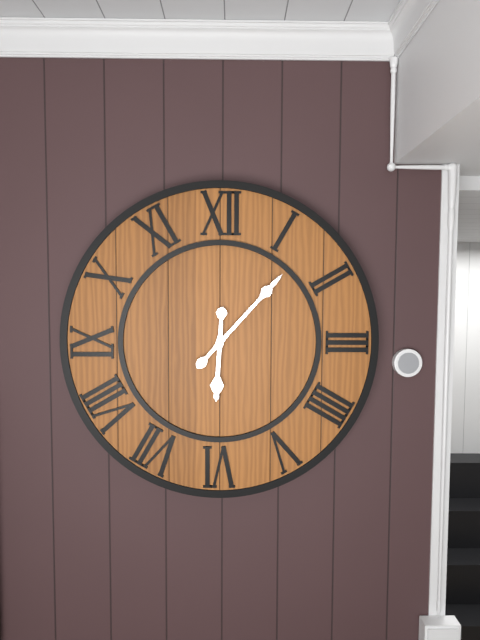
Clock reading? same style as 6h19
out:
6h07
